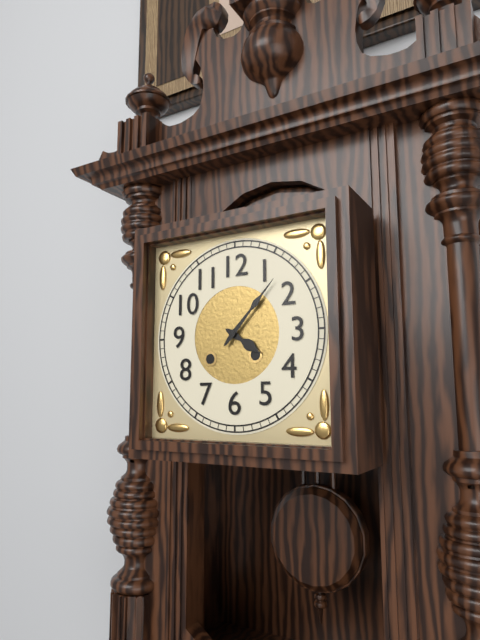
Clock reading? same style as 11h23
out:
4h07
